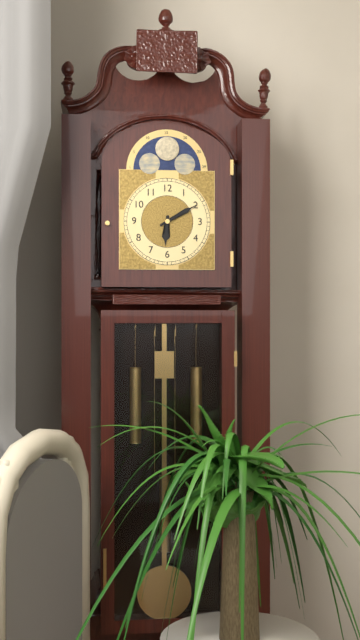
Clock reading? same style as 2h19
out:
6h10
